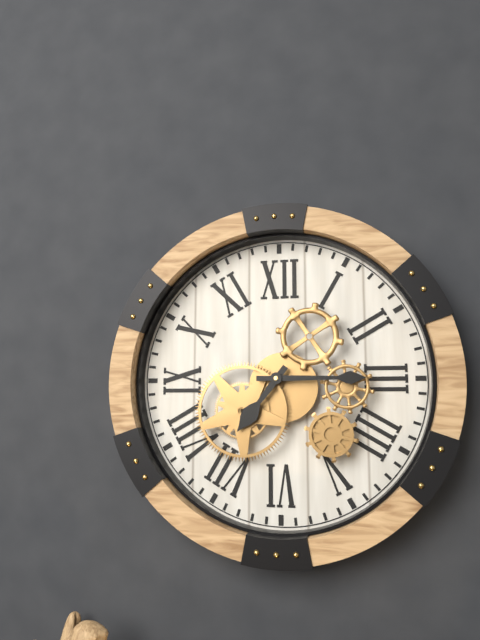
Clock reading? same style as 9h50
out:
7h15
